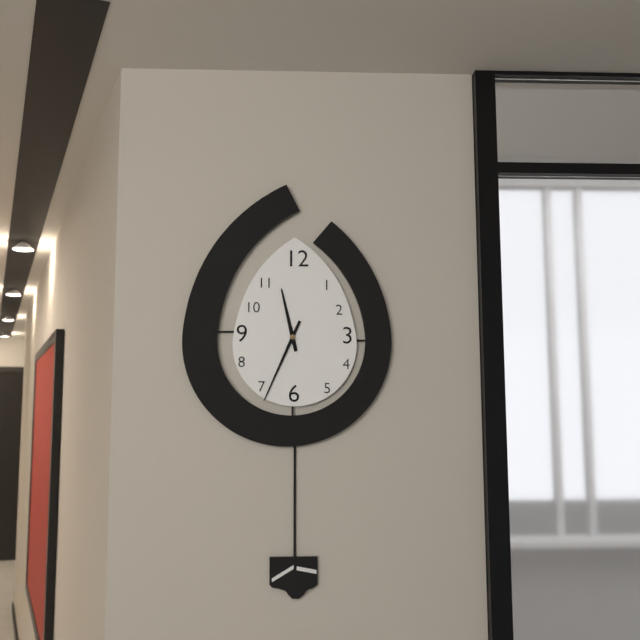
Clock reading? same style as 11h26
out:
11h34
